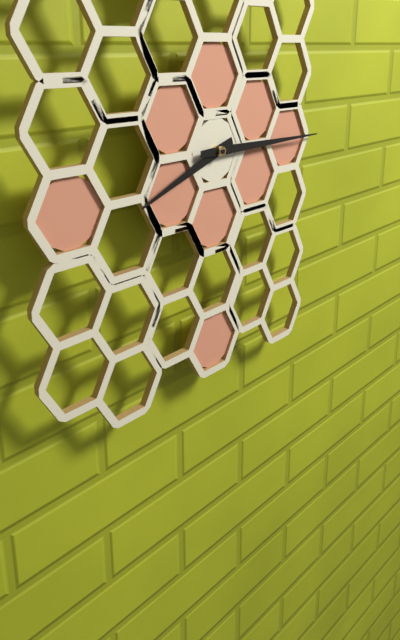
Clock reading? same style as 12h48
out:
8h15
